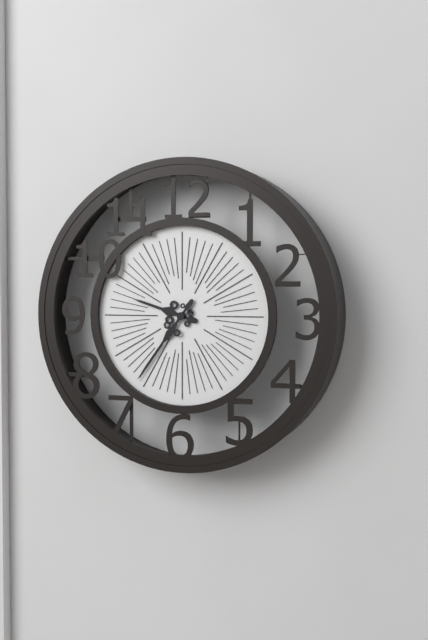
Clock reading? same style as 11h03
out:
9h36
